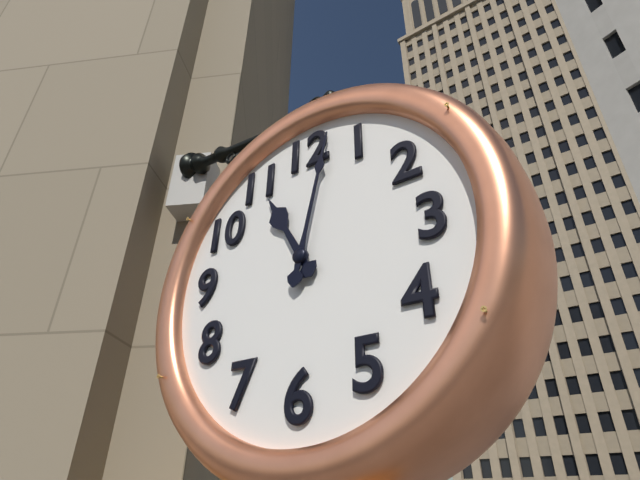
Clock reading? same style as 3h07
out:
11h02
